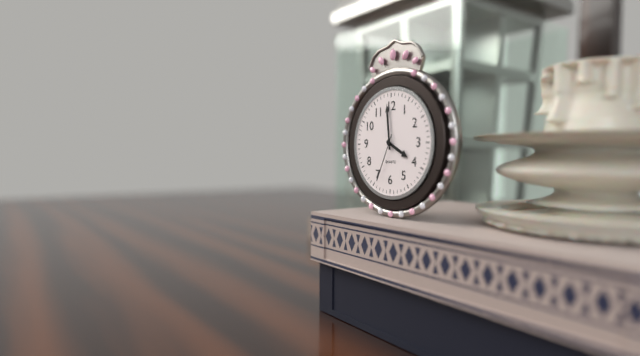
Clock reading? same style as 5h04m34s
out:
3h59m34s
